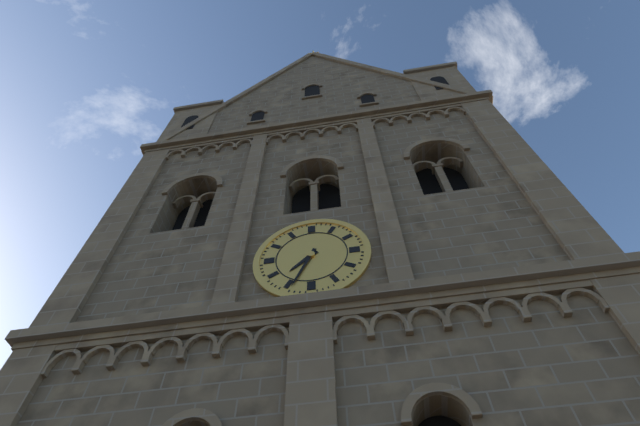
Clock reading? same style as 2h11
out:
7h34
